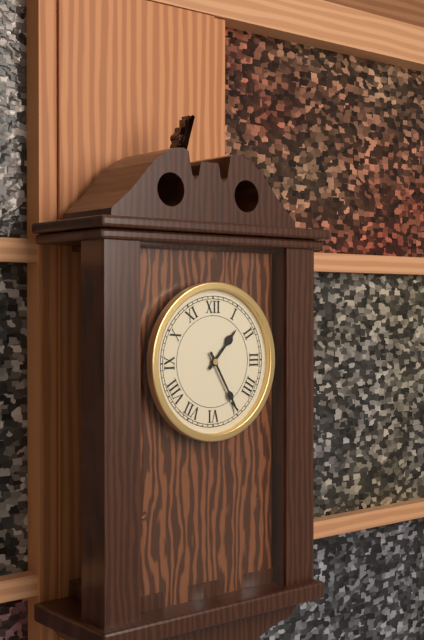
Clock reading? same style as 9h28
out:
1h25
